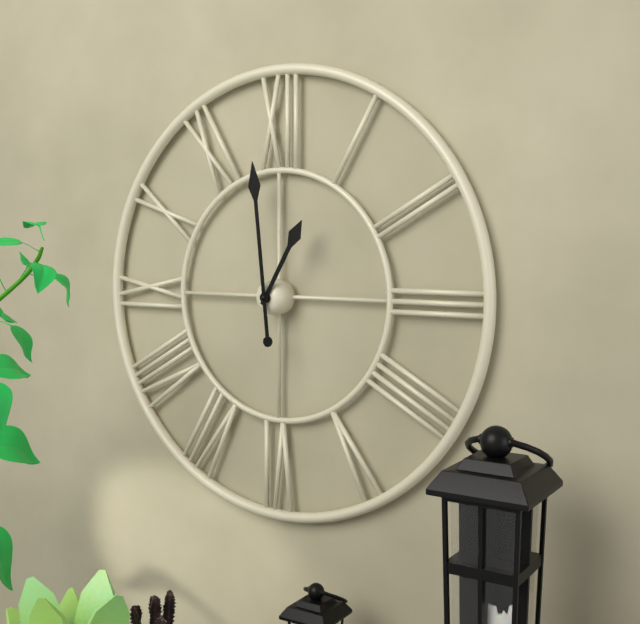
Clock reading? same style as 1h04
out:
12h59
